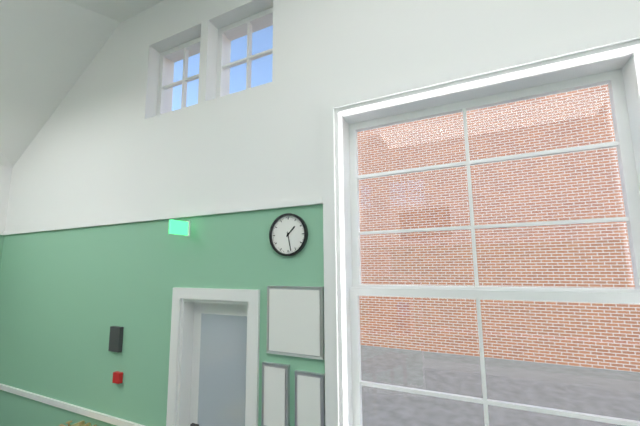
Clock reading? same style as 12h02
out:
1h28
